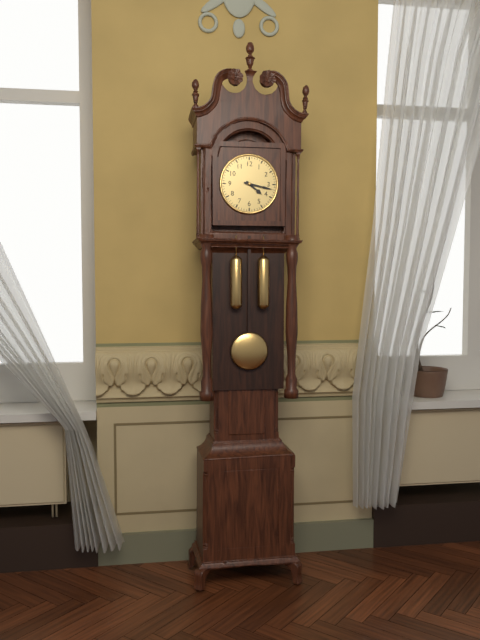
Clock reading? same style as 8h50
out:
4h17
